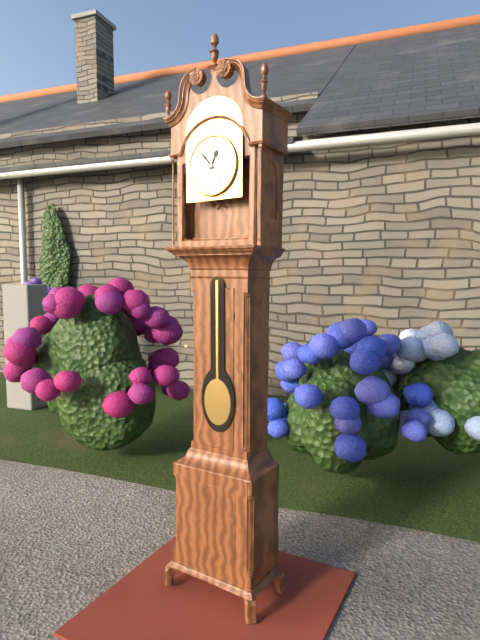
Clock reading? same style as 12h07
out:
12h53
